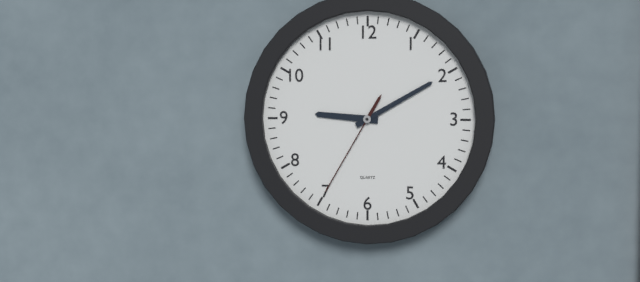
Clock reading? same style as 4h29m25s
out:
9h10m35s
